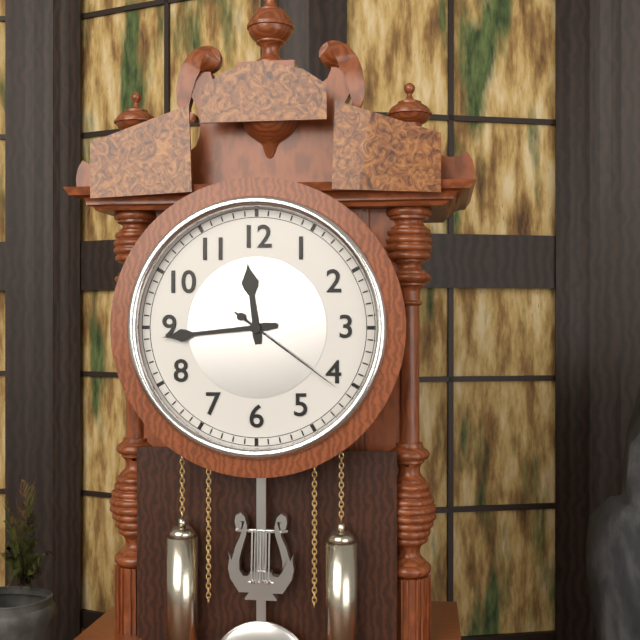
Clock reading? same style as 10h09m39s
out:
11h44m21s
